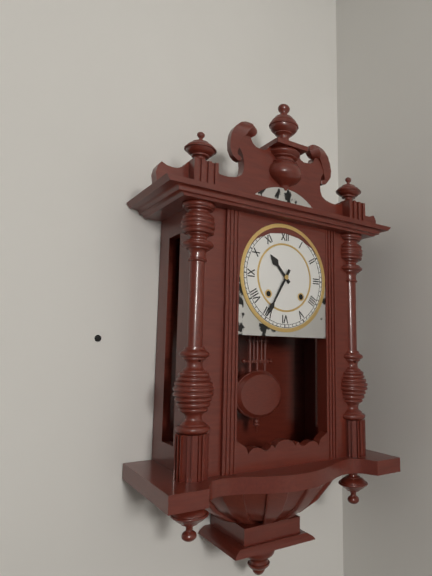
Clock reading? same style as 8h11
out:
10h35
